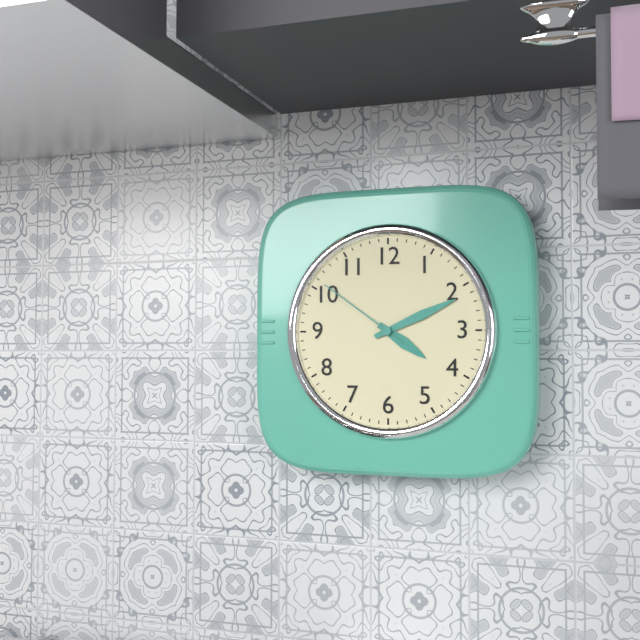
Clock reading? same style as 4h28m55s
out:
4h11m51s
